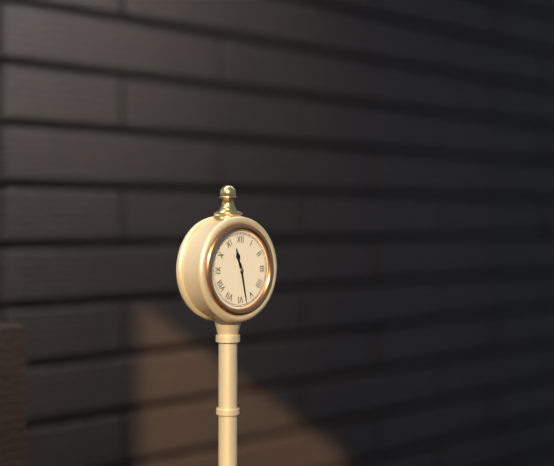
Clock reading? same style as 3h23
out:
11h28
